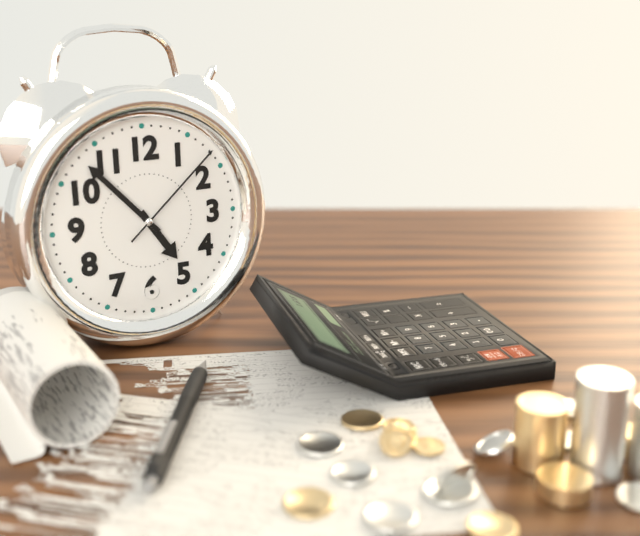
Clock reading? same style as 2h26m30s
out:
4h53m08s
